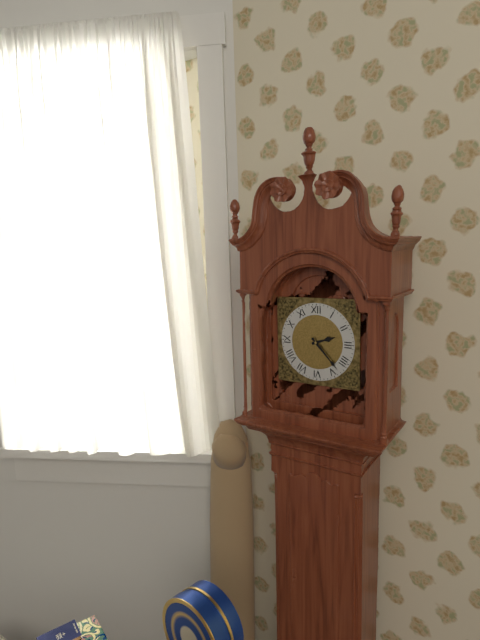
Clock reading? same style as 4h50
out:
2h23
